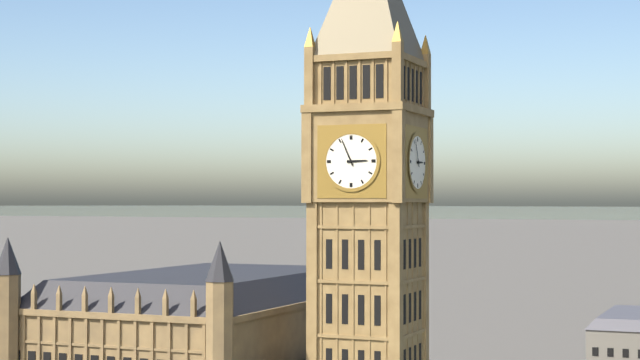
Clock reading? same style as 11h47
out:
2h56
